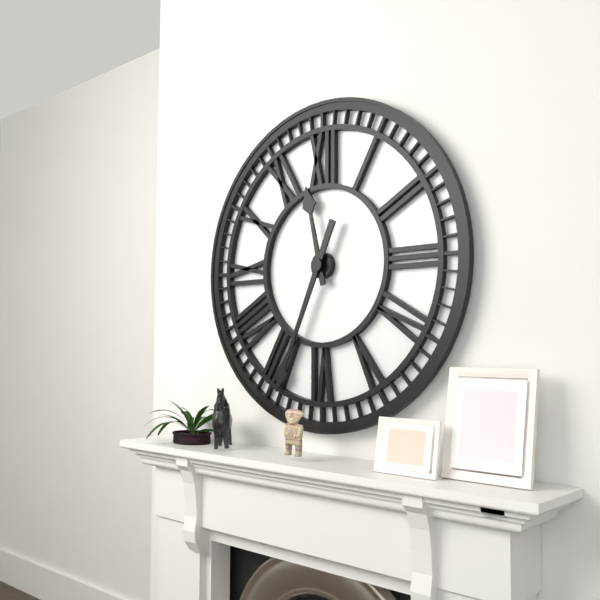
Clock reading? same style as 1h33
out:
11h34
